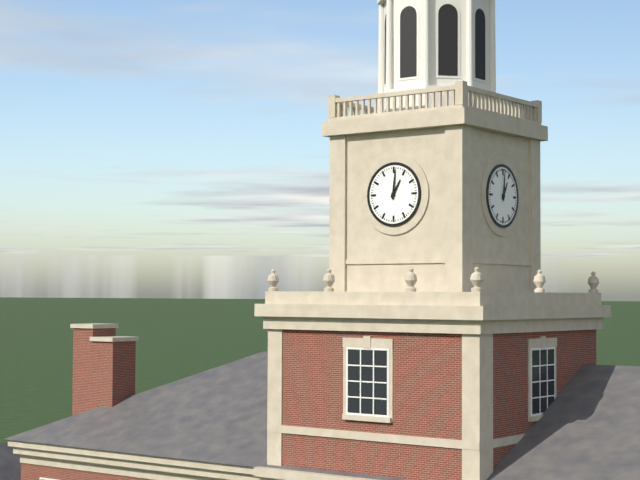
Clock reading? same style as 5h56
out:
1h01
